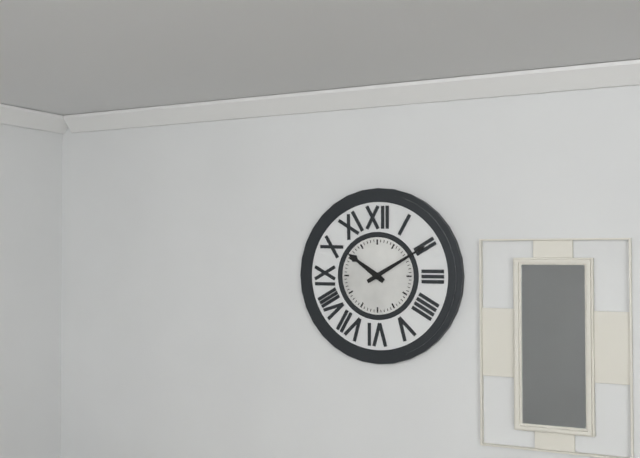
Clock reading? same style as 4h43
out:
10h10
